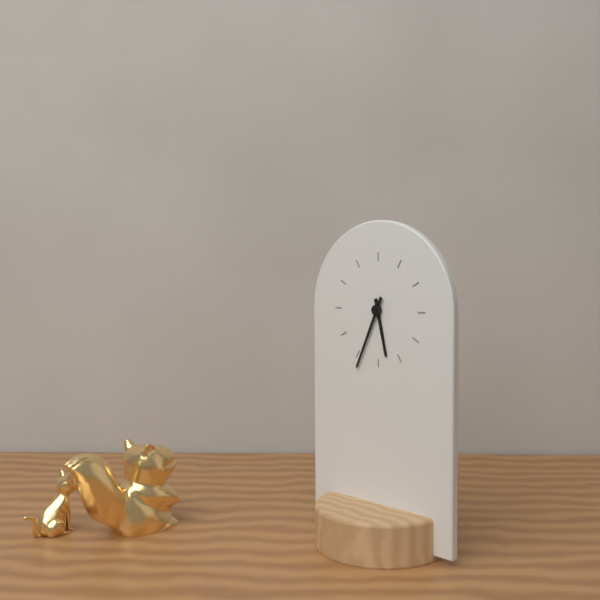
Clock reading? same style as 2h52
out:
5h34
